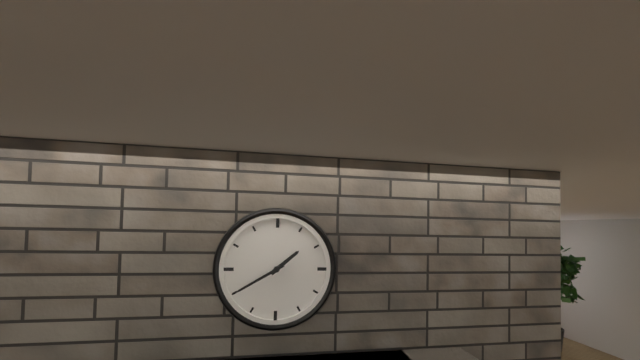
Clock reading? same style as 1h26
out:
1h40
